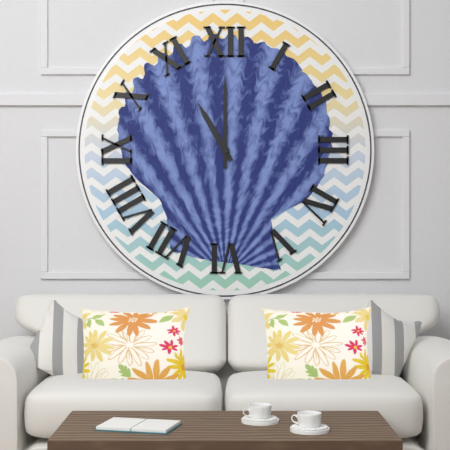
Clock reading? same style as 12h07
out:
11h00
